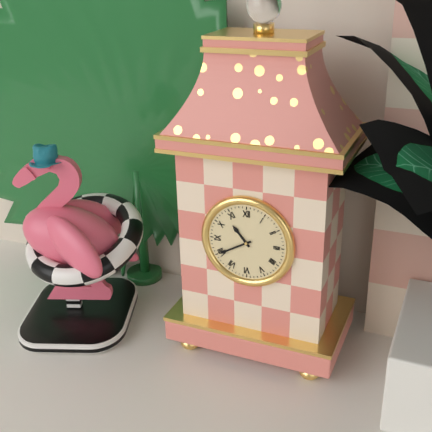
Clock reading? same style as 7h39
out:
10h40
